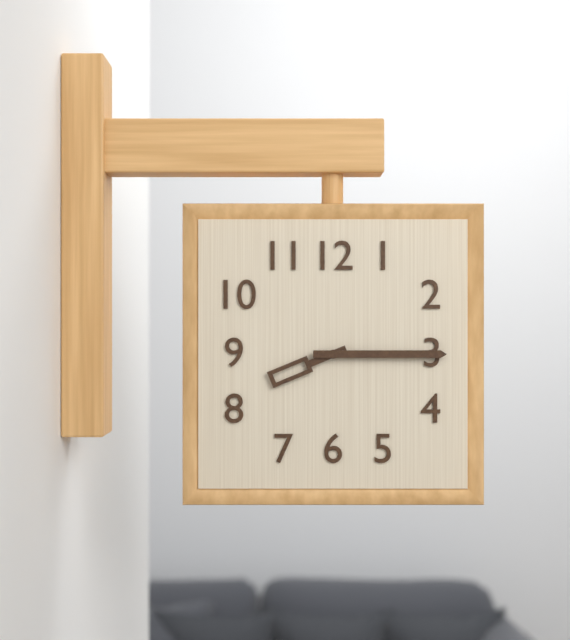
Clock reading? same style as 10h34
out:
8h15
